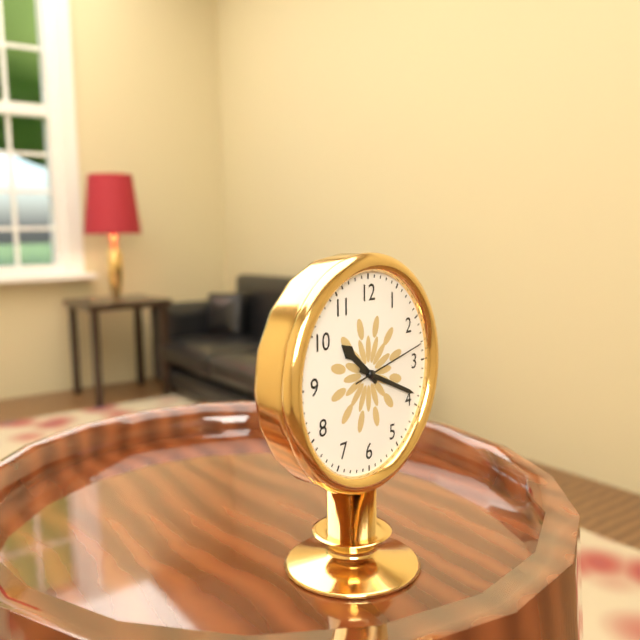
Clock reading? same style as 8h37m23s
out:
10h19m13s
